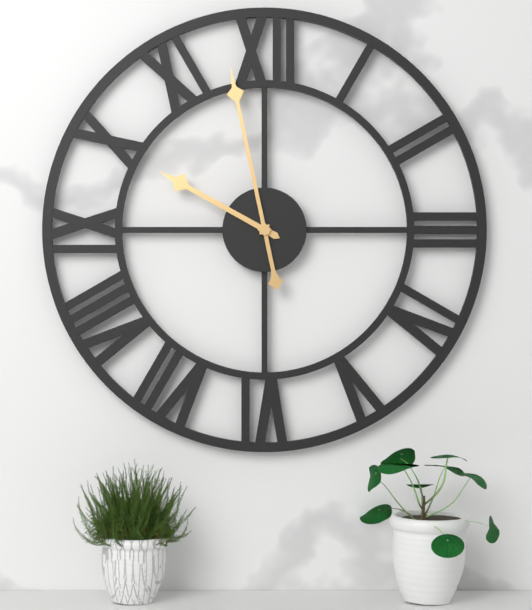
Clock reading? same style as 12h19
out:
9h58
